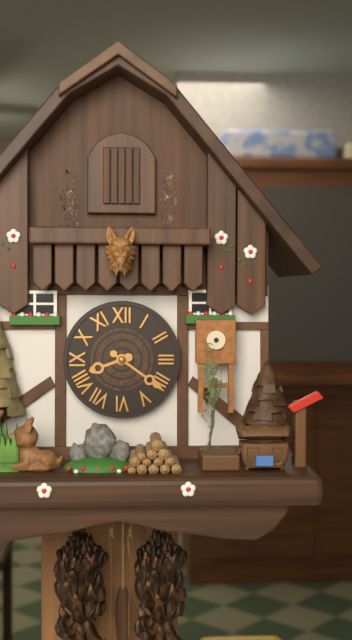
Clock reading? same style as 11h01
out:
8h21
